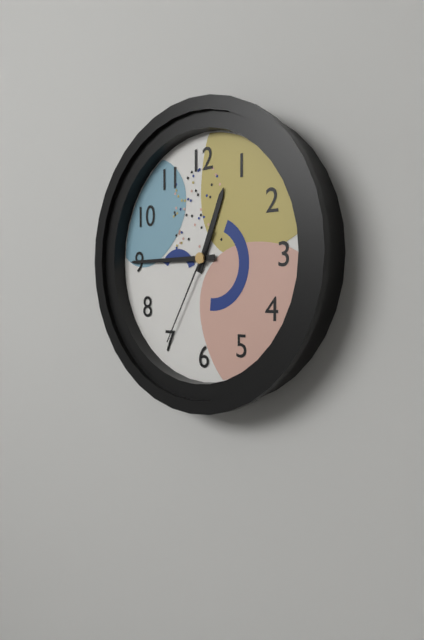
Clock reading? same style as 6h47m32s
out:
12h45m35s
